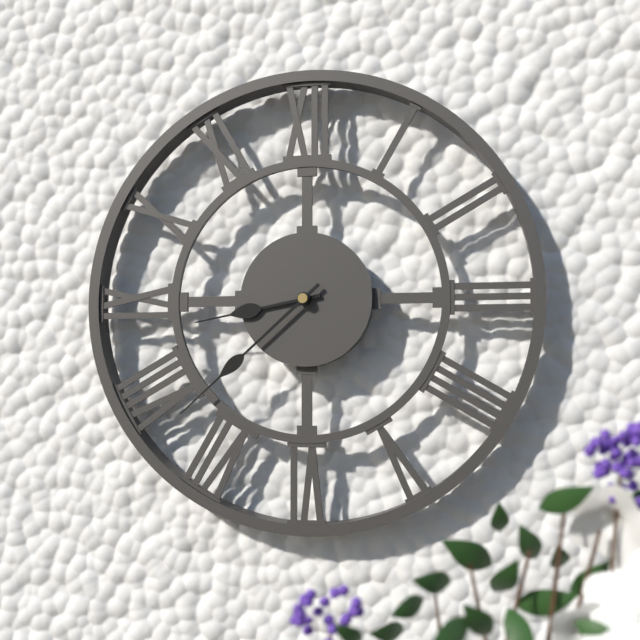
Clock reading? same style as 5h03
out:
8h38
